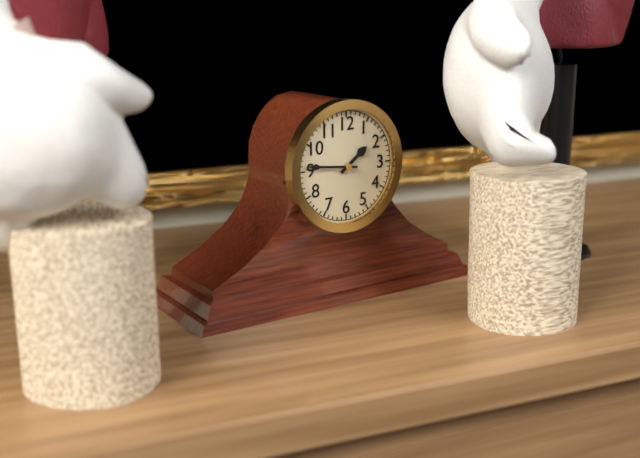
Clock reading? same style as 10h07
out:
1h46
